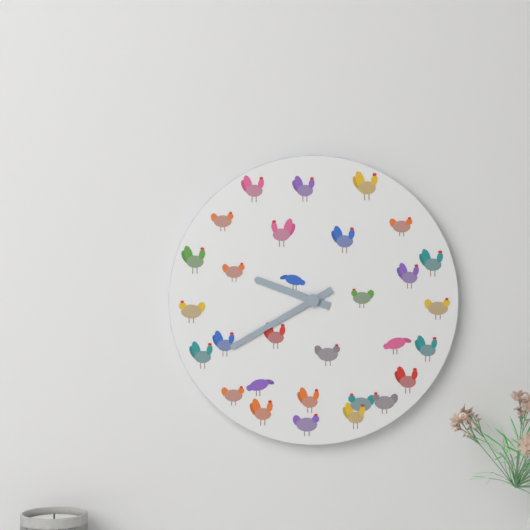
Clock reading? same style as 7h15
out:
9h40
